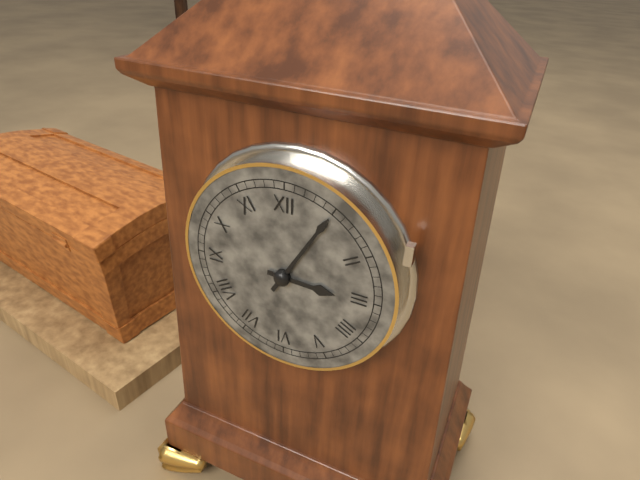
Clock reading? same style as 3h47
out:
3h05
